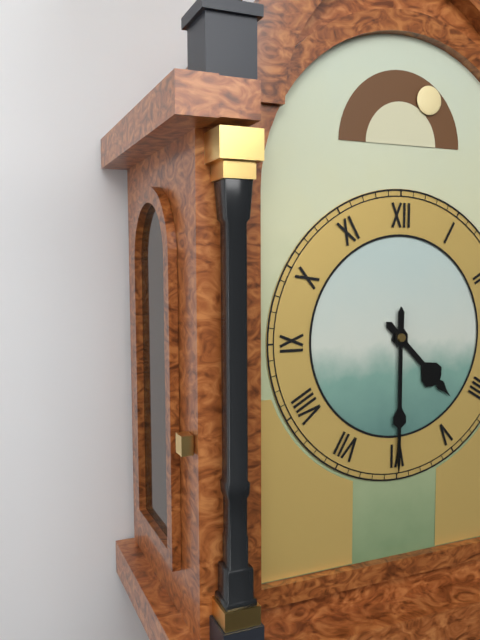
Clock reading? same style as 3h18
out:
4h30
